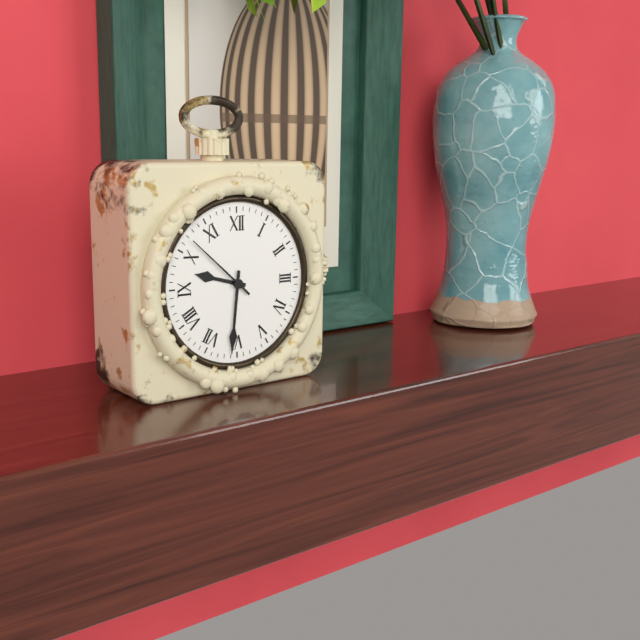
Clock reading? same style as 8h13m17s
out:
9h31m52s
